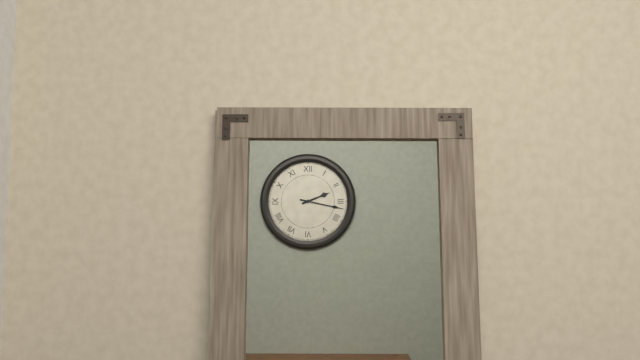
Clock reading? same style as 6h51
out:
2h17
